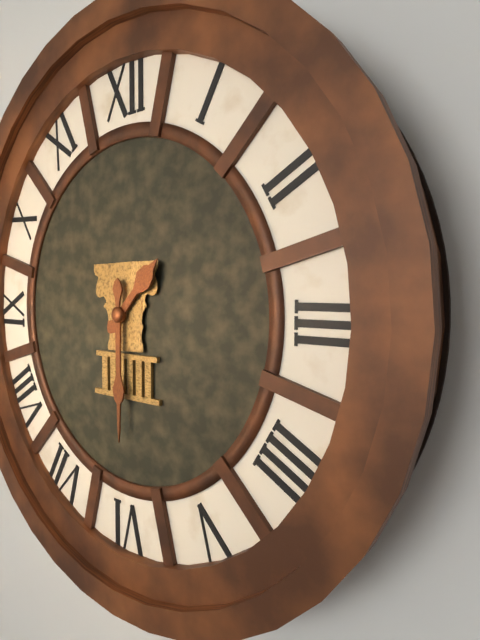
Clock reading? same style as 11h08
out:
1h30
